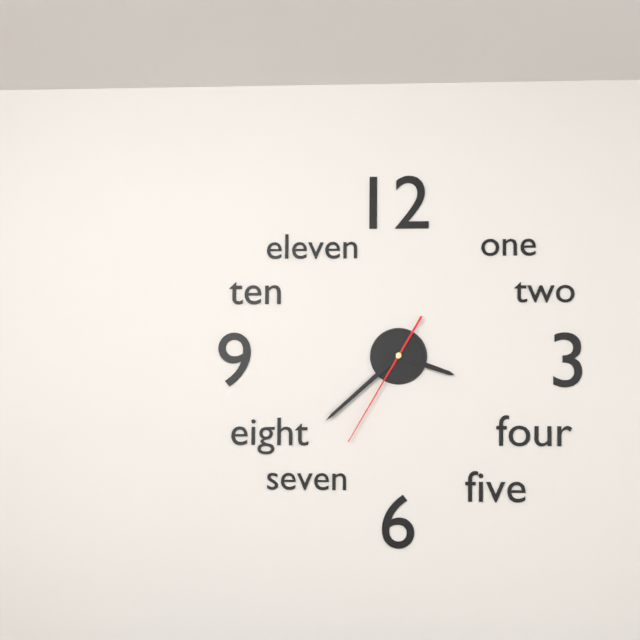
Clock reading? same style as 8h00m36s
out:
3h38m35s
